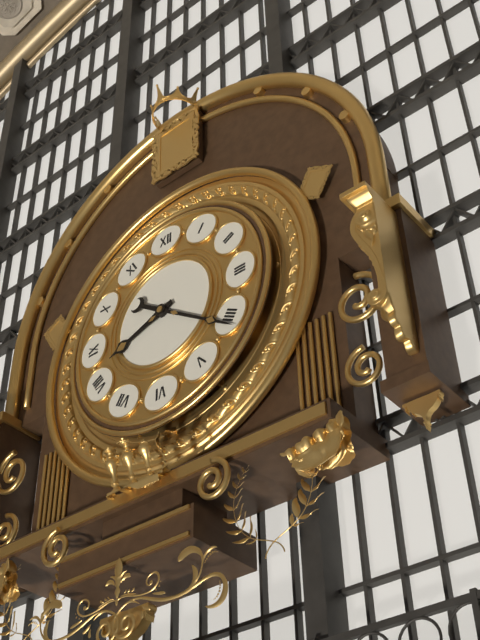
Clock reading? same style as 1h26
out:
8h21
